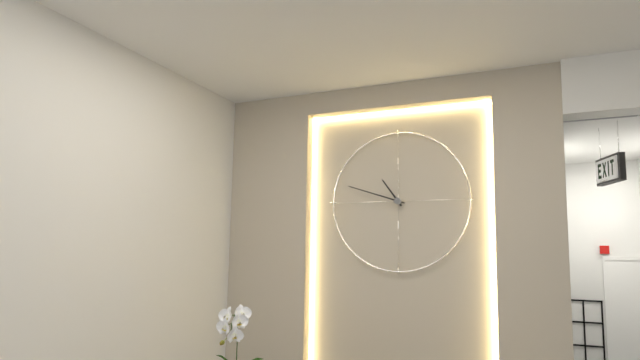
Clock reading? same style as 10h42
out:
10h48
